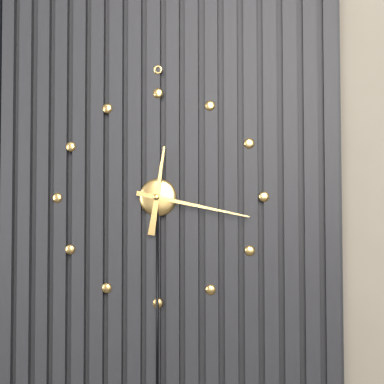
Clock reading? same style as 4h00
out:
12h17
